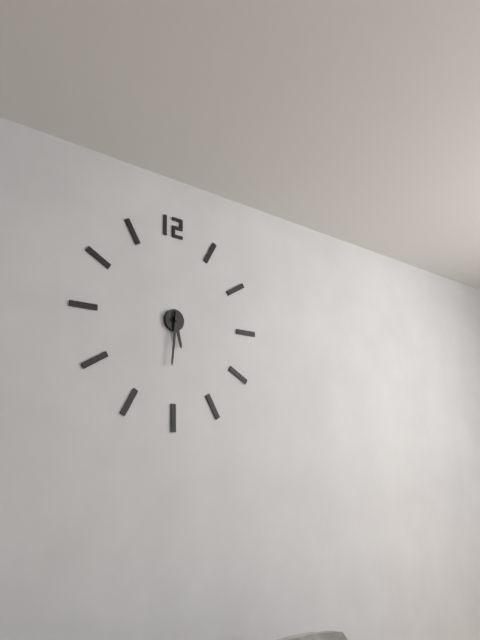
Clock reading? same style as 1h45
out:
5h31
